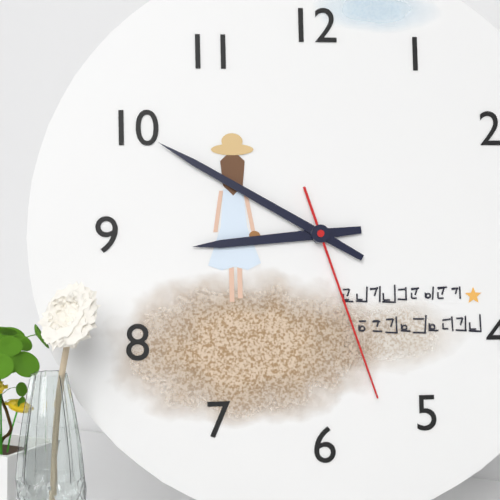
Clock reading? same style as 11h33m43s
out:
8h50m27s
